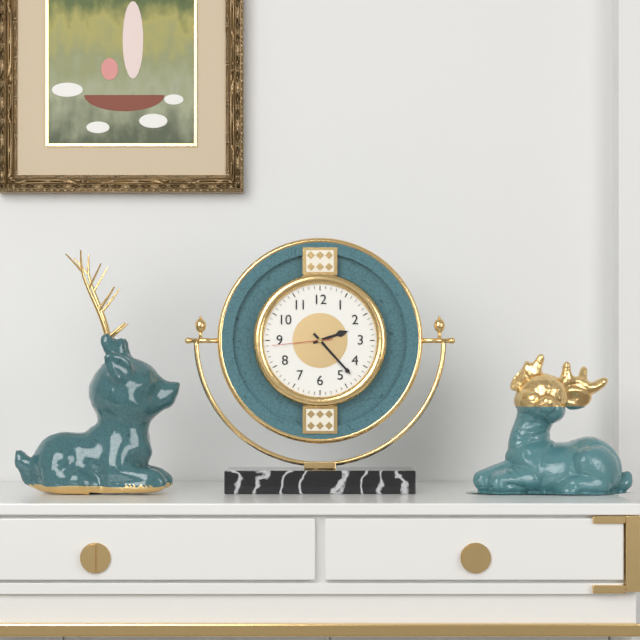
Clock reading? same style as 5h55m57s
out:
2h23m44s
